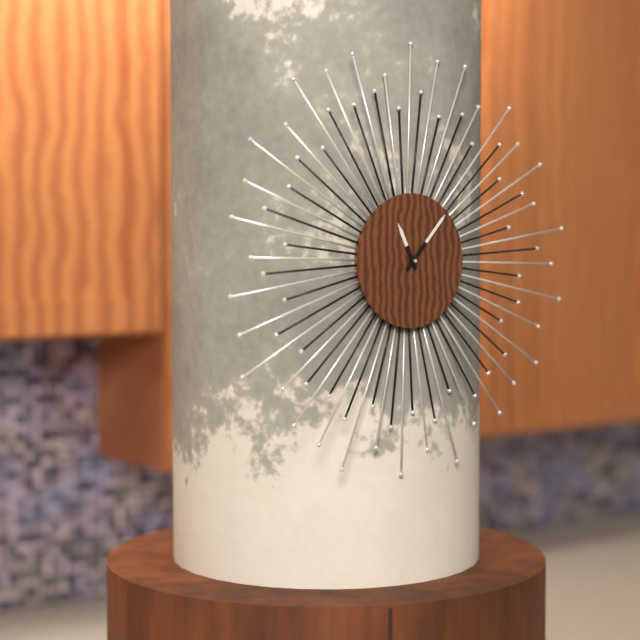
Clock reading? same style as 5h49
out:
11h07
